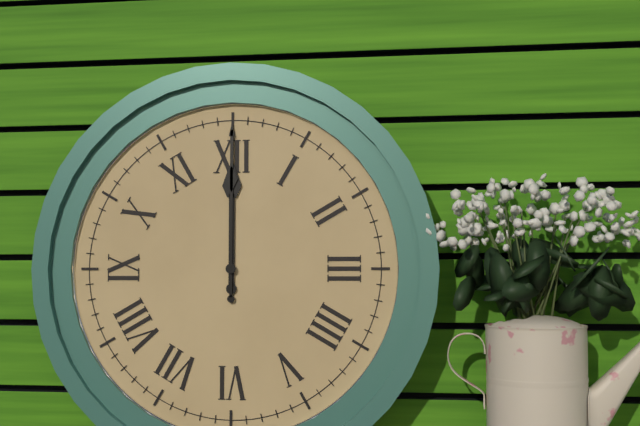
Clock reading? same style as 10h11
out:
12h00
